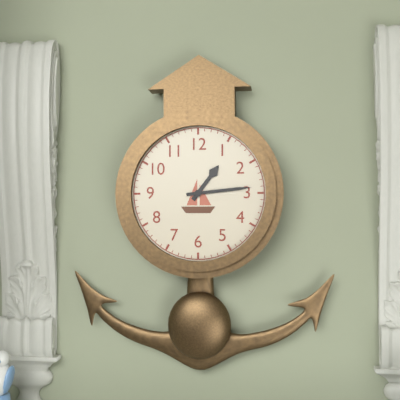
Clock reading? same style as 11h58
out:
1h14
